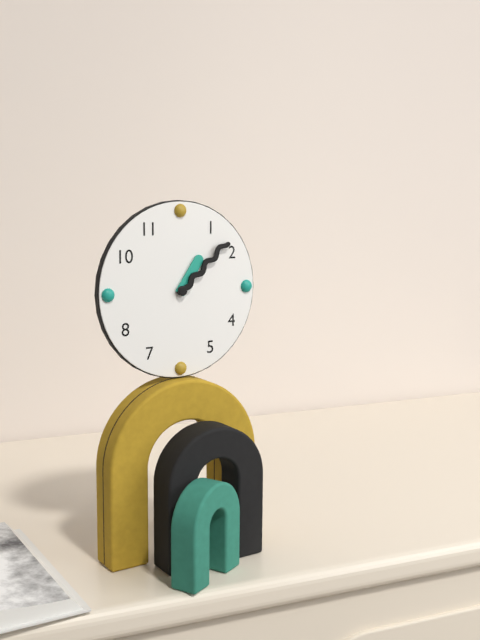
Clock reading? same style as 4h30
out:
1h08
